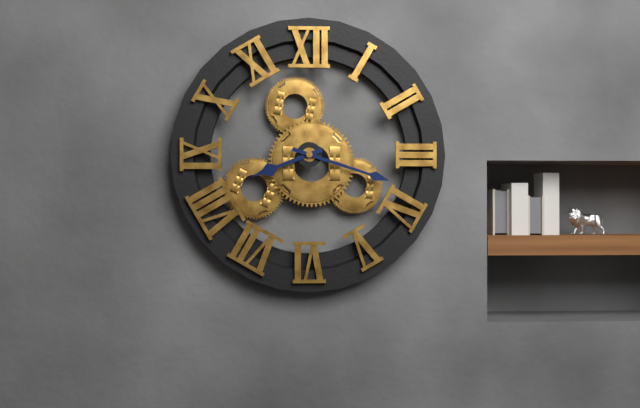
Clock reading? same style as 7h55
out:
8h18
